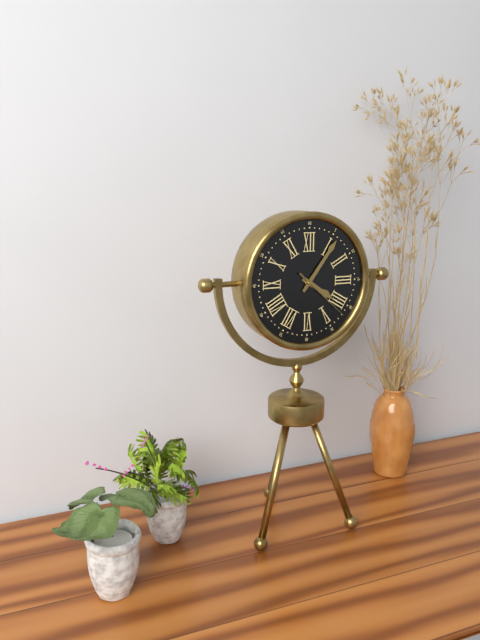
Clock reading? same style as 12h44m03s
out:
4h06m22s
